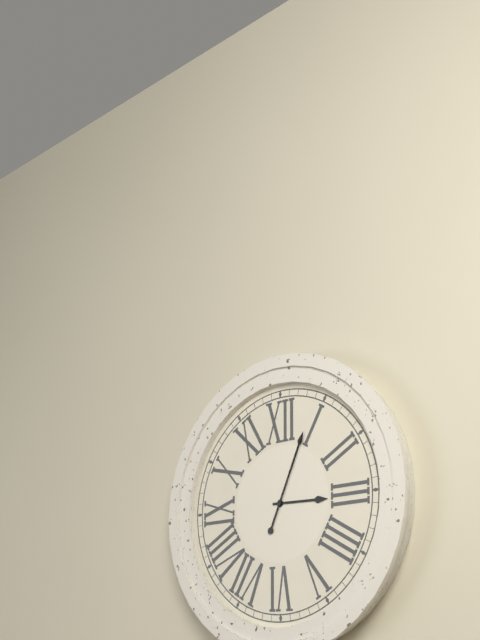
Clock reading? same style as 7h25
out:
3h04
